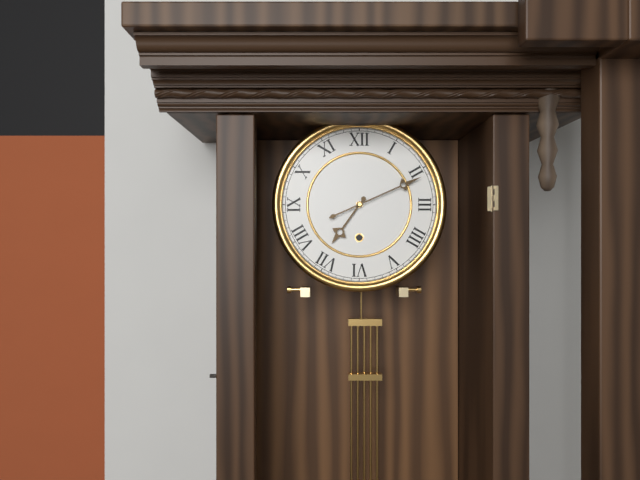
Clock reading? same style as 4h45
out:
7h11
